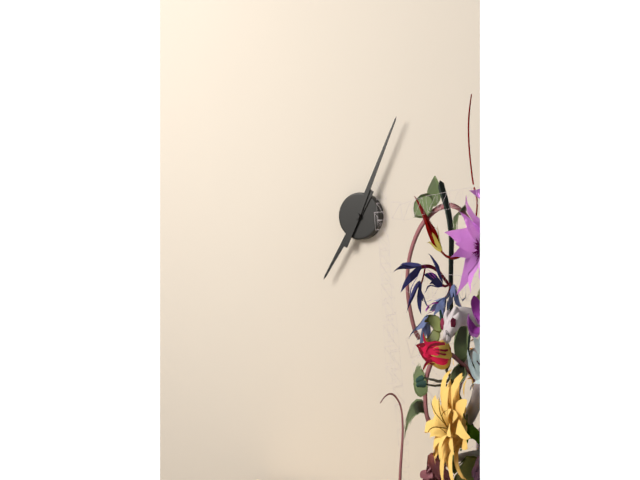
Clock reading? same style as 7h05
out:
7h04
